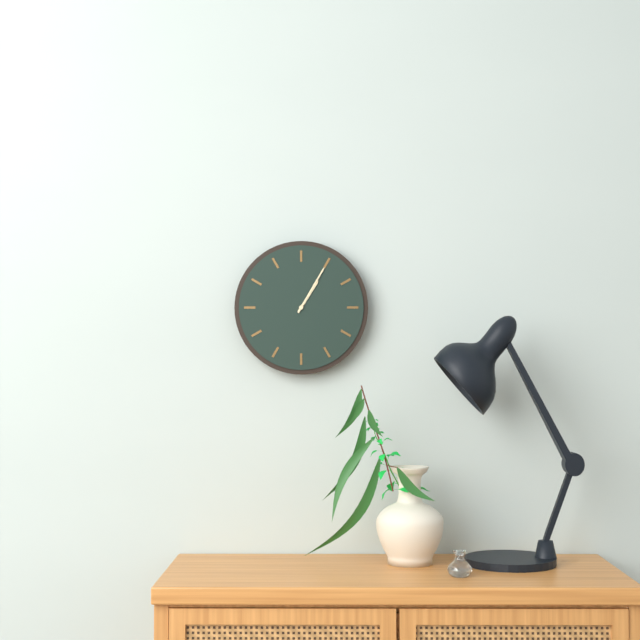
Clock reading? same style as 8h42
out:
1h05
